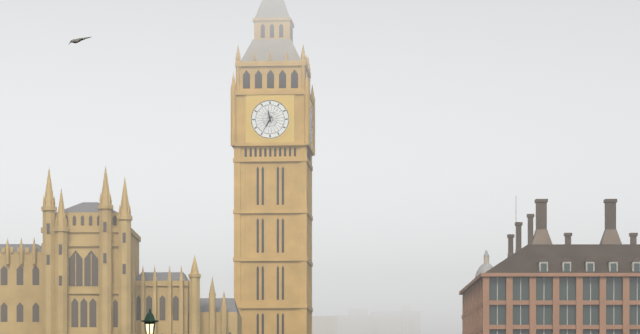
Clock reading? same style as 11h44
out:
11h35
